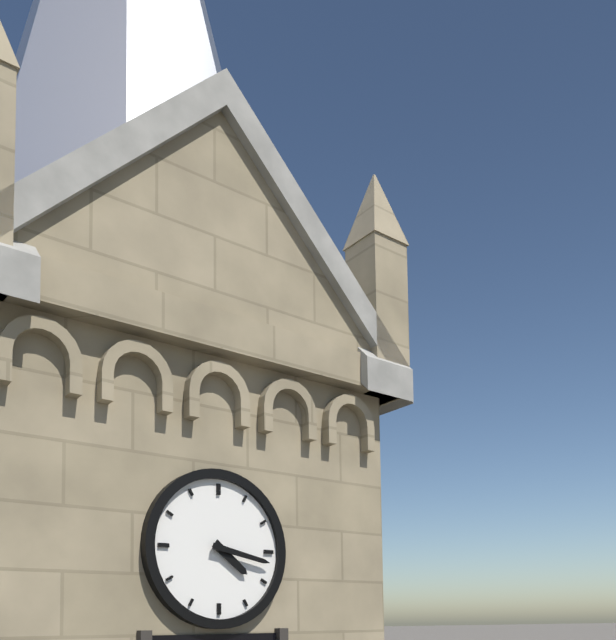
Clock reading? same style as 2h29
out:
4h17
